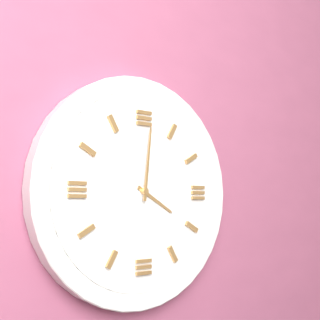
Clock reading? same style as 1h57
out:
4h01
